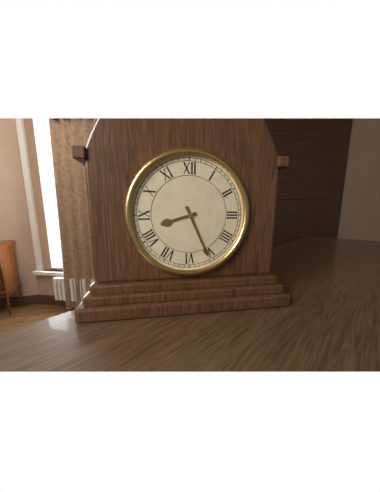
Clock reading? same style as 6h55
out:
8h26
